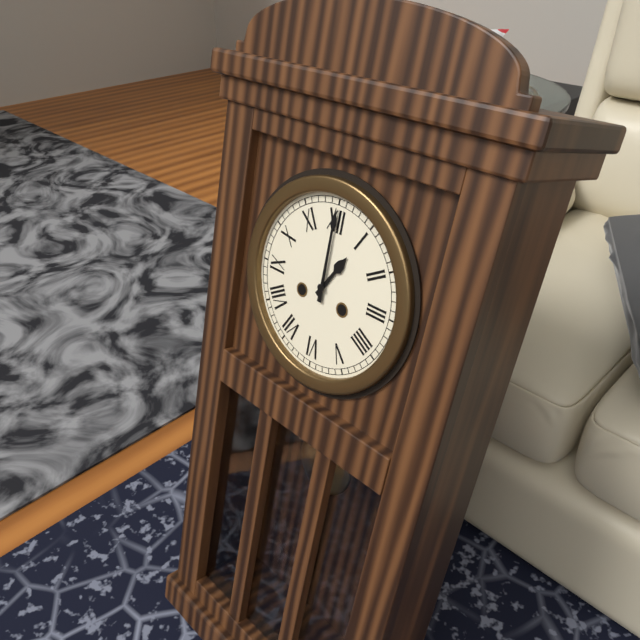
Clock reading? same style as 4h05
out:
1h00
